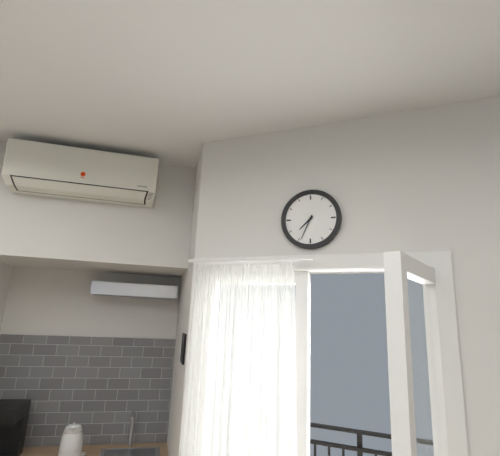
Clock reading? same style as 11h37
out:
7h34
